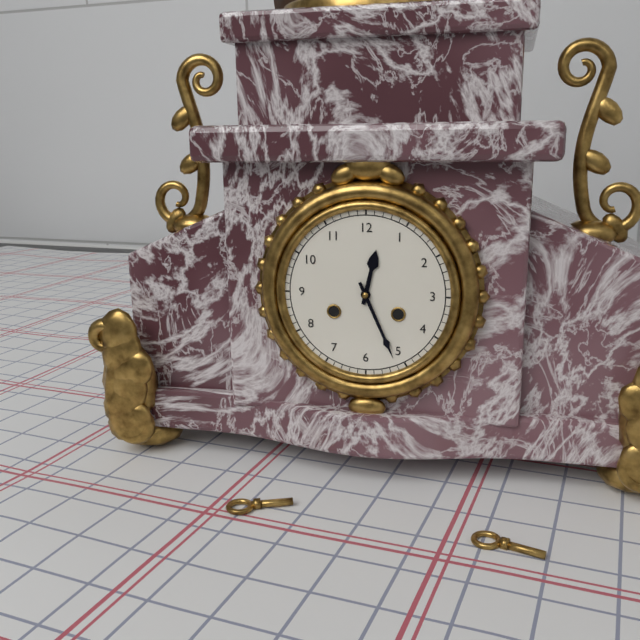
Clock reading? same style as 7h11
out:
12h26
